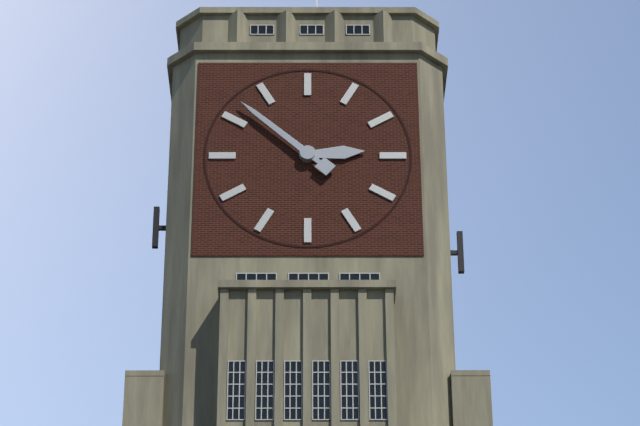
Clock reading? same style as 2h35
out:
2h52
